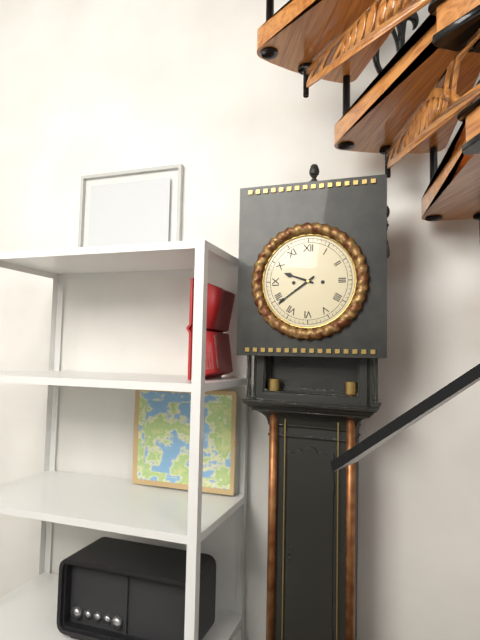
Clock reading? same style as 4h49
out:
9h39
